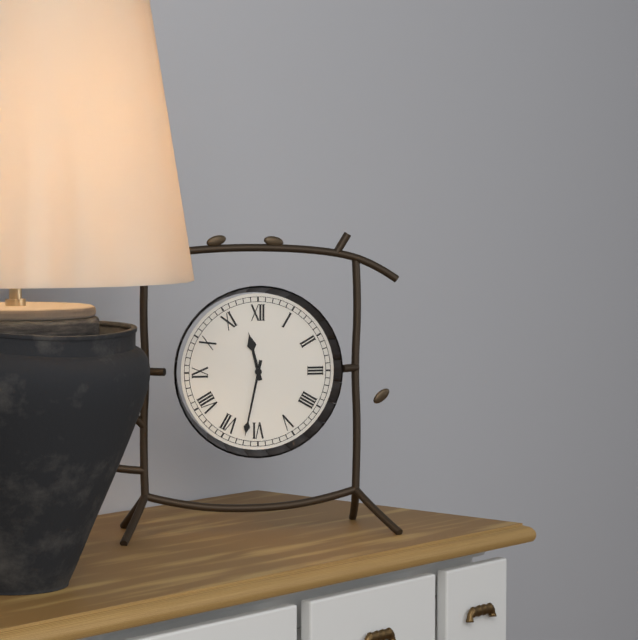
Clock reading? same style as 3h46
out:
11h32
